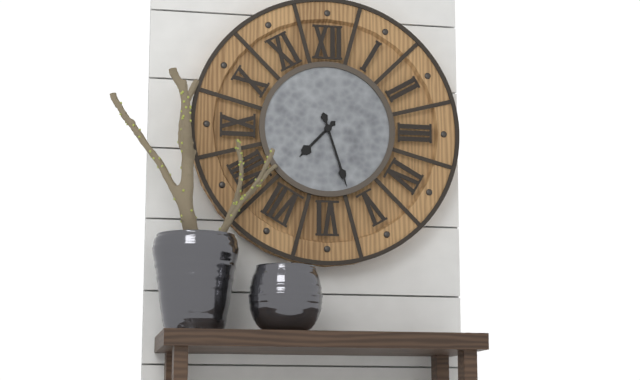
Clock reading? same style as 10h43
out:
7h27
